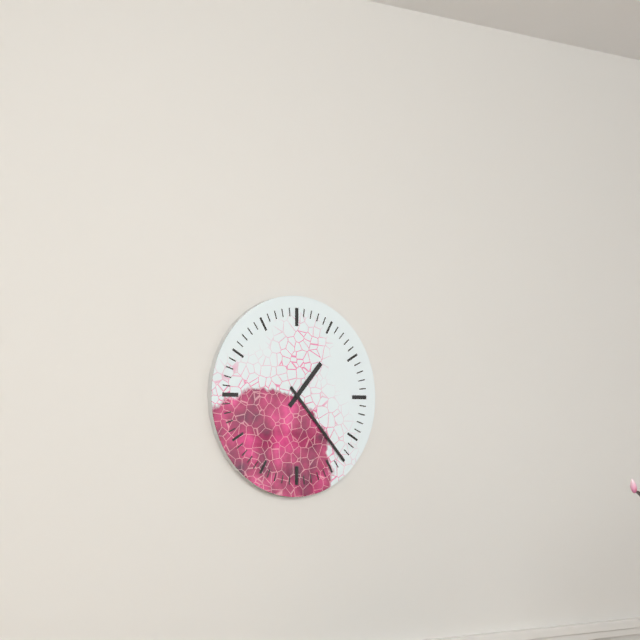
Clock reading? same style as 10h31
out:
1h23
